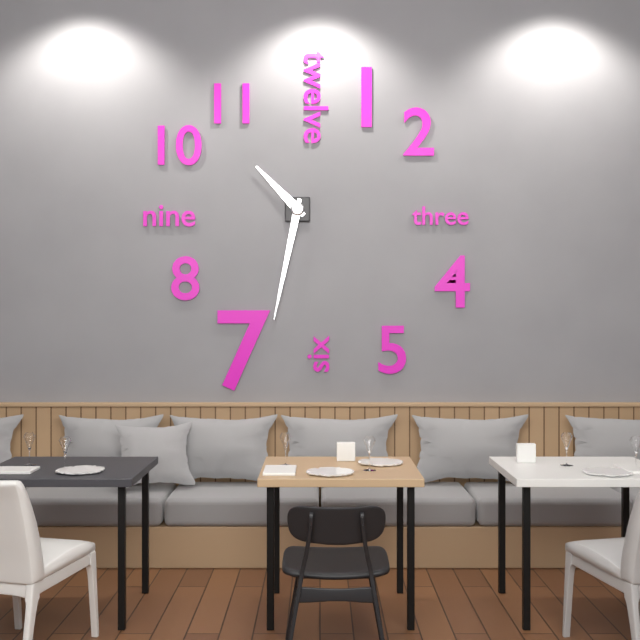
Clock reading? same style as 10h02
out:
10h32
